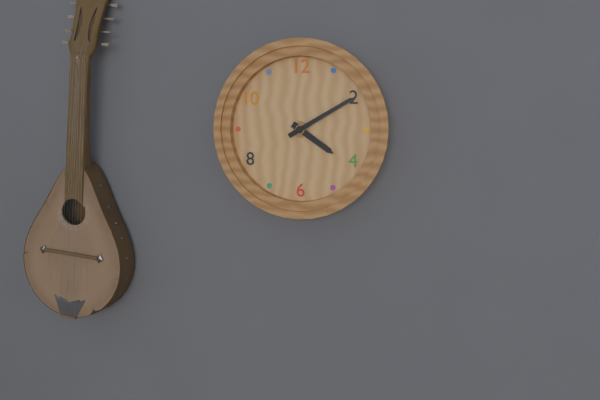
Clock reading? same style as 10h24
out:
4h10
